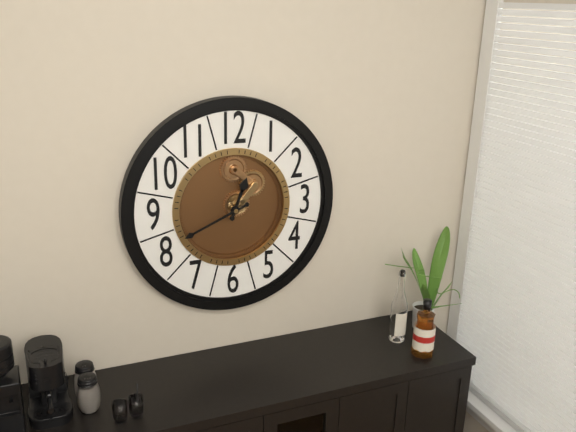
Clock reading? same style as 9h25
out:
12h41
